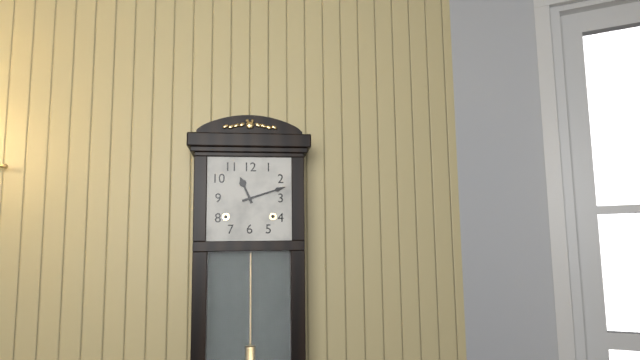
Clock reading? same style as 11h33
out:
11h12
